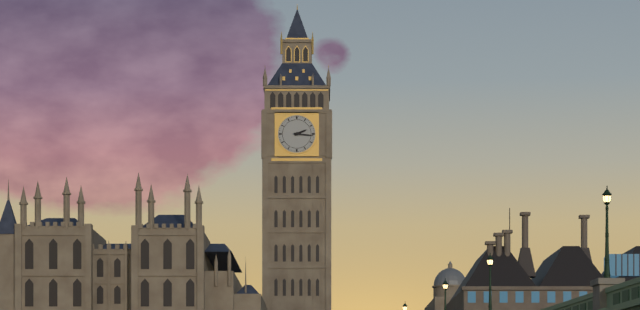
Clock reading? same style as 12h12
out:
2h16
